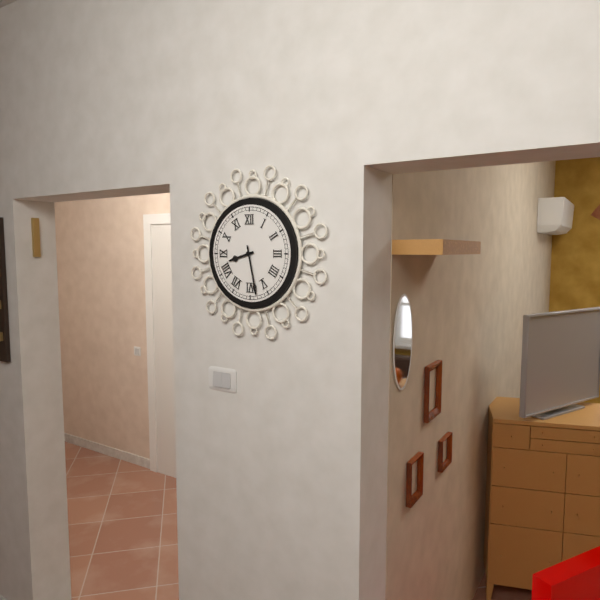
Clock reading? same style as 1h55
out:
8h28
